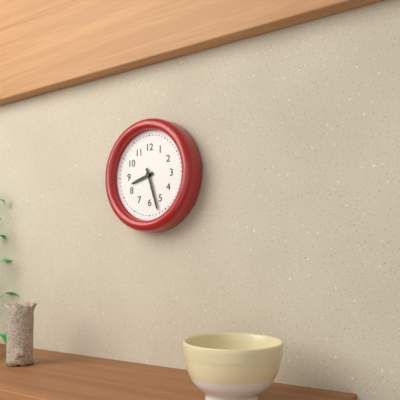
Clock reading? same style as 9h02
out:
8h27
